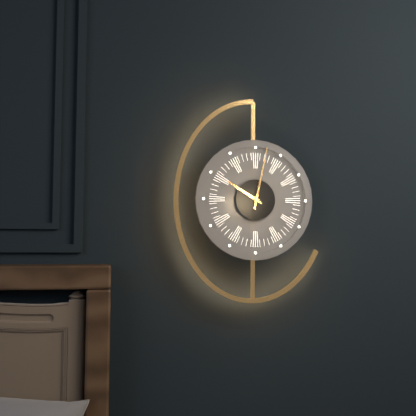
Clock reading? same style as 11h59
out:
10h02
